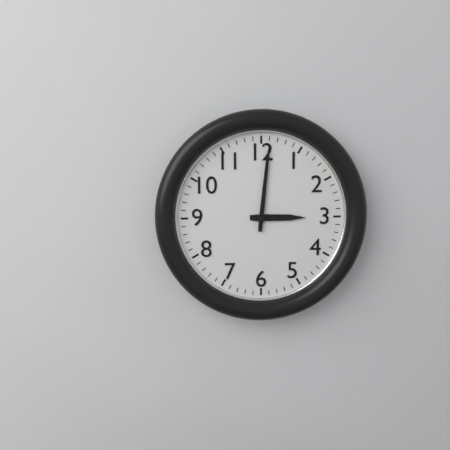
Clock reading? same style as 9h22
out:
3h01
